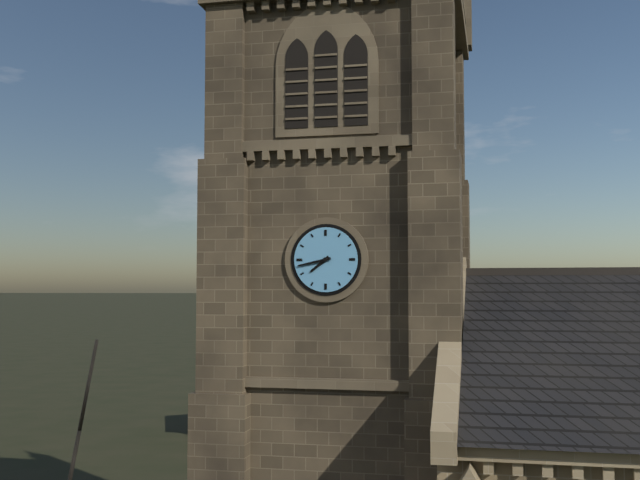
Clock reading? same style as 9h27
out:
7h43
